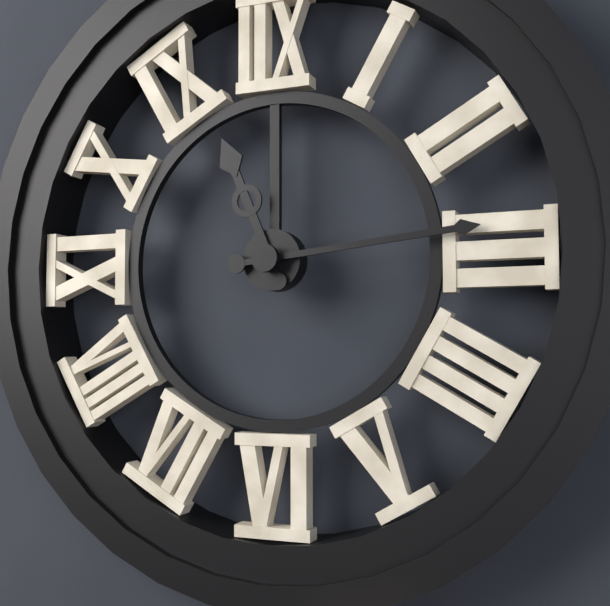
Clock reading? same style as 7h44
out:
11h14
